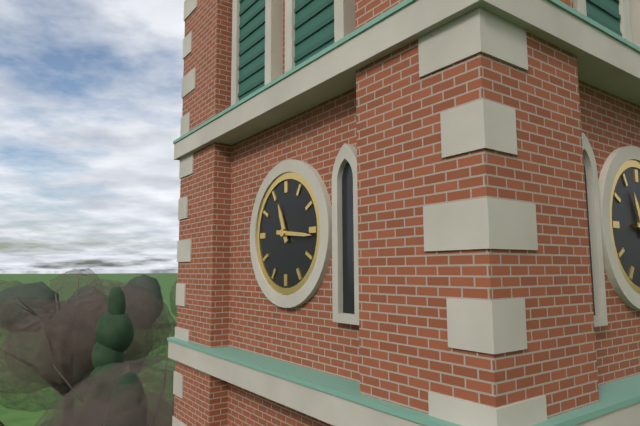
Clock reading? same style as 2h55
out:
11h16
